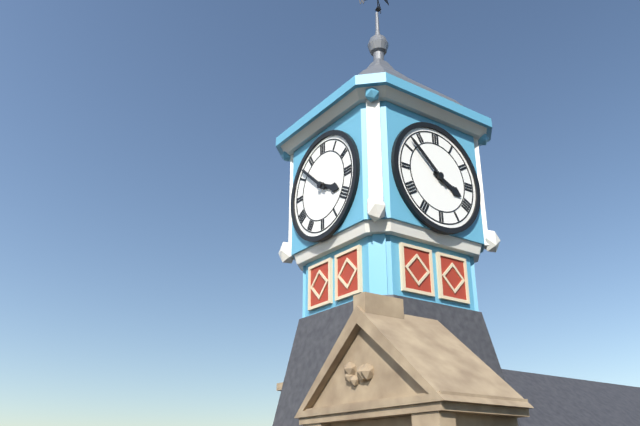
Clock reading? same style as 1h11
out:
3h52
